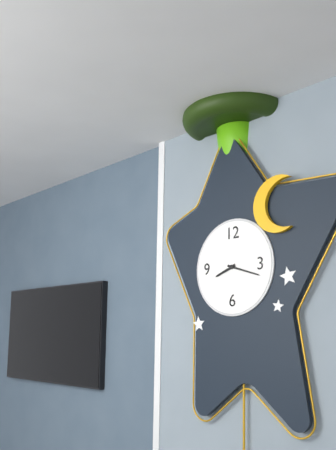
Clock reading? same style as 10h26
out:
8h18
